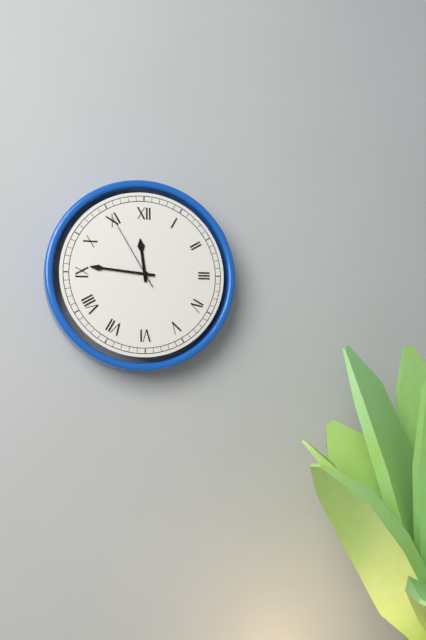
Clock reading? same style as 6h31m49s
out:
11h46m55s
